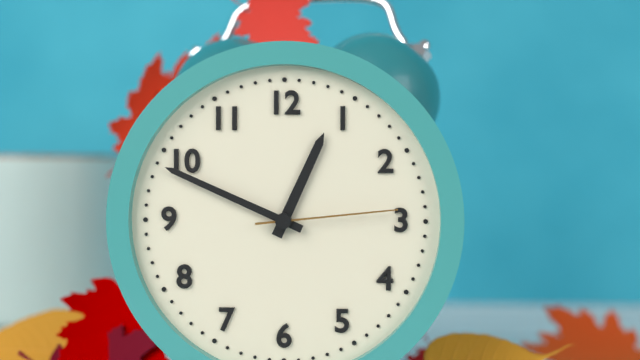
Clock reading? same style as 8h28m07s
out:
12h49m14s
